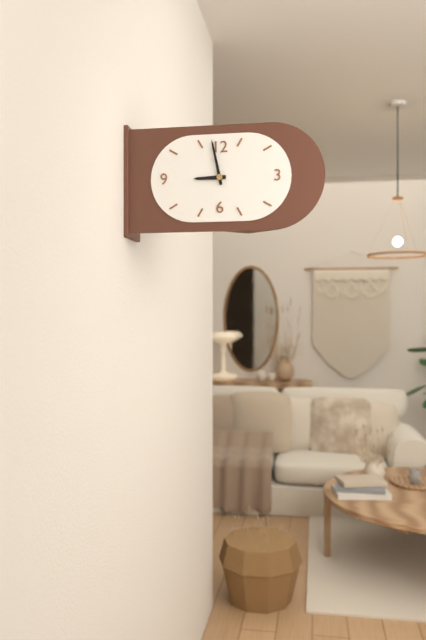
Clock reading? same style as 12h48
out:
8h58
